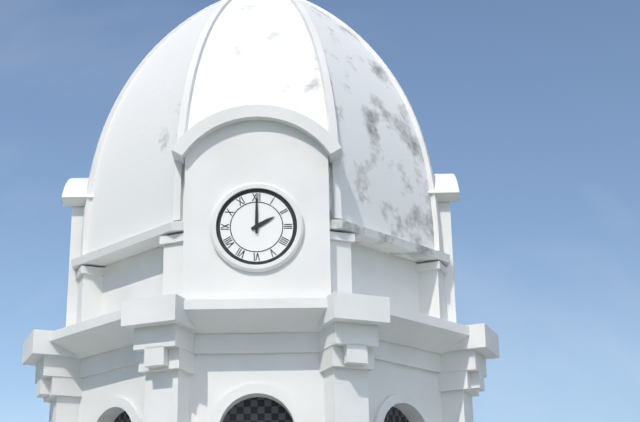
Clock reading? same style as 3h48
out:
2h00
